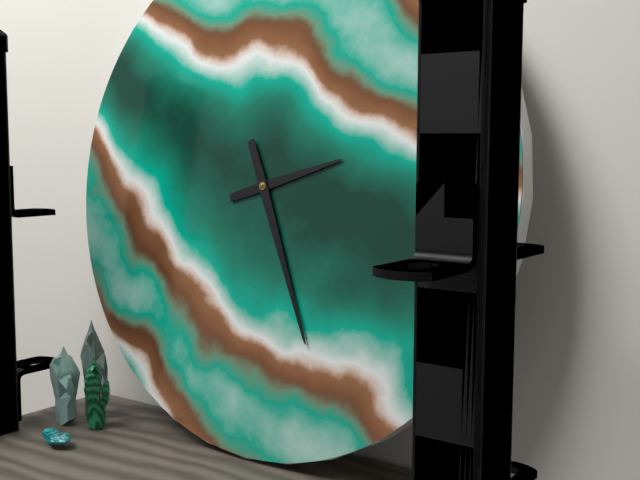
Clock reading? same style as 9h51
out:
2h26
